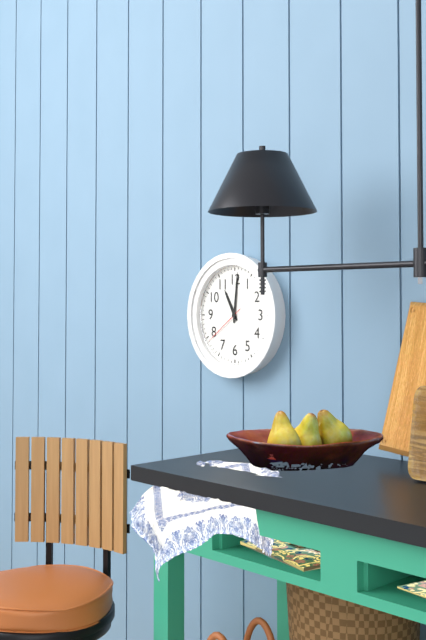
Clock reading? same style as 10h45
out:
11h01
